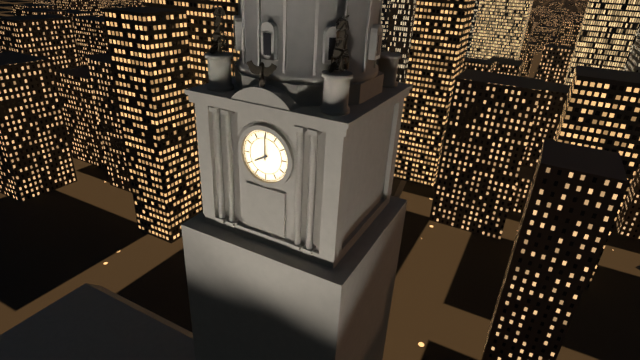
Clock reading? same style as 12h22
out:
8h00
